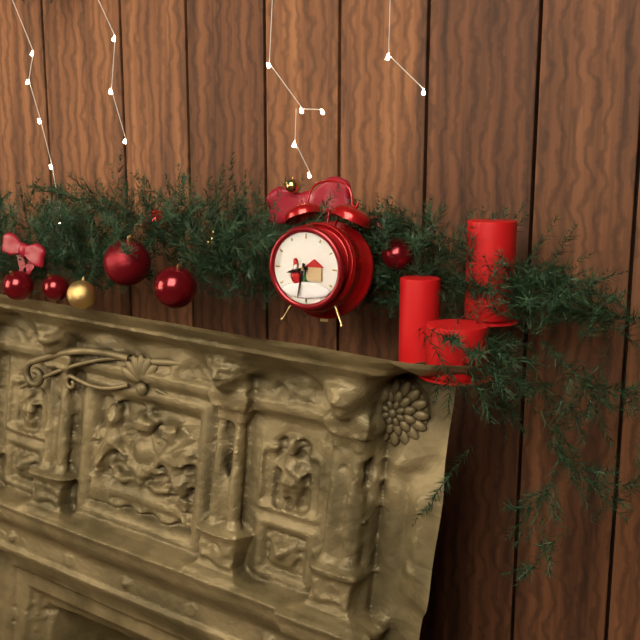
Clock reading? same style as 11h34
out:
8h32
